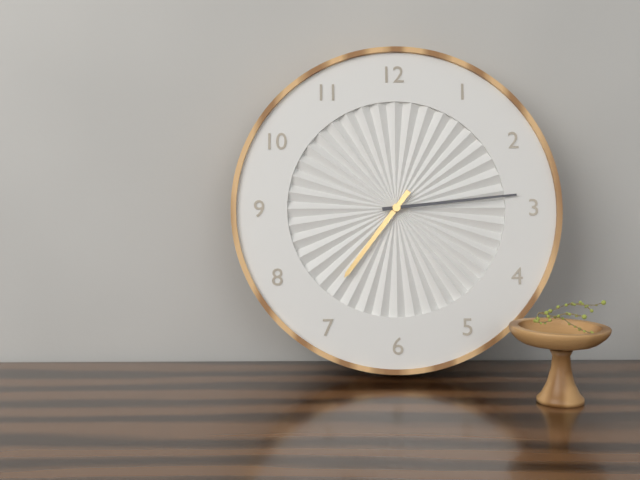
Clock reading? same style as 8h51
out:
7h14
